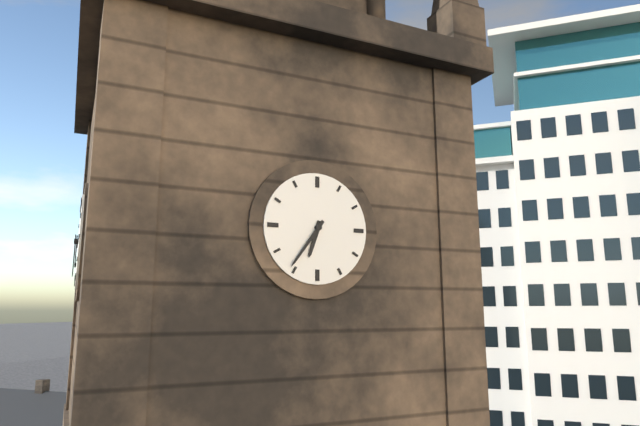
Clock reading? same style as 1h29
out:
6h36
